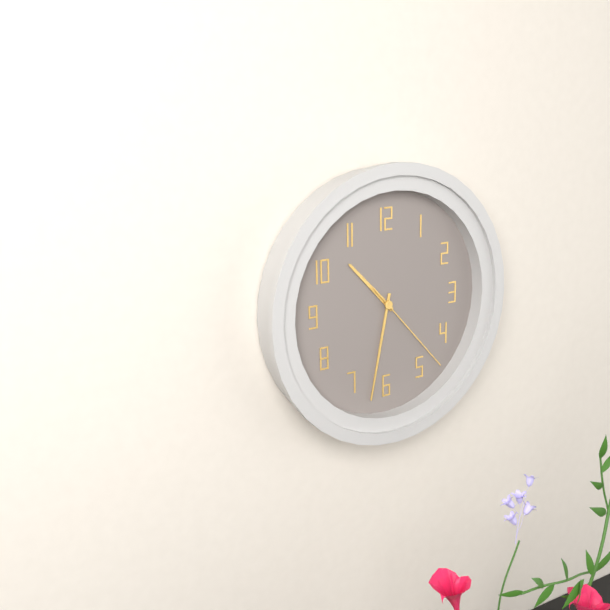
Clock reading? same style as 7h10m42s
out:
10h32m23s
